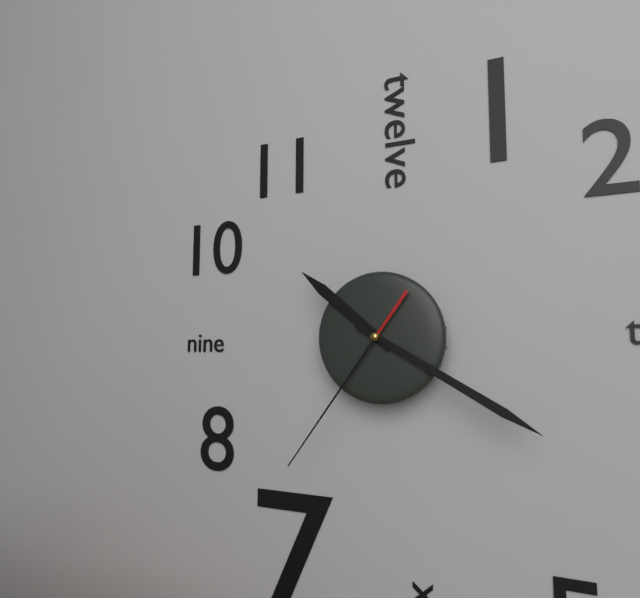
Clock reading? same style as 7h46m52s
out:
10h20m36s
